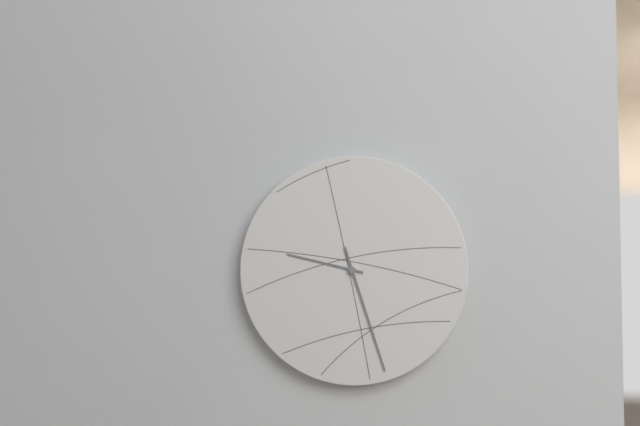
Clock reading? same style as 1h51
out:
9h27
